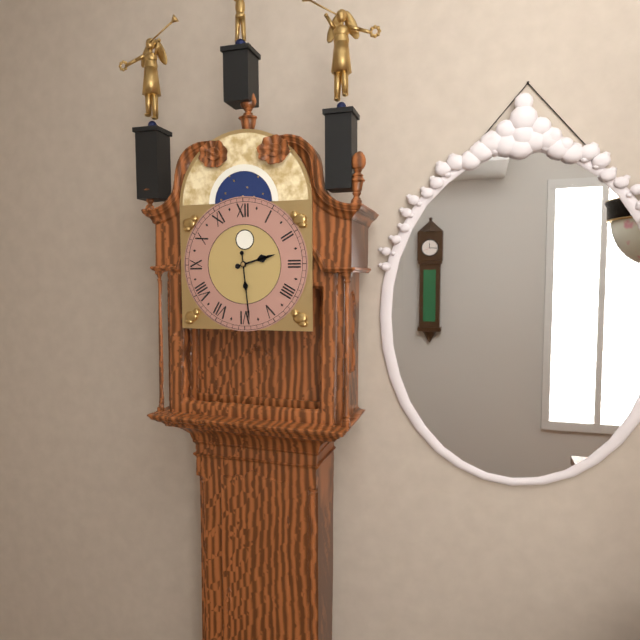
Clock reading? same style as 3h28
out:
2h29
